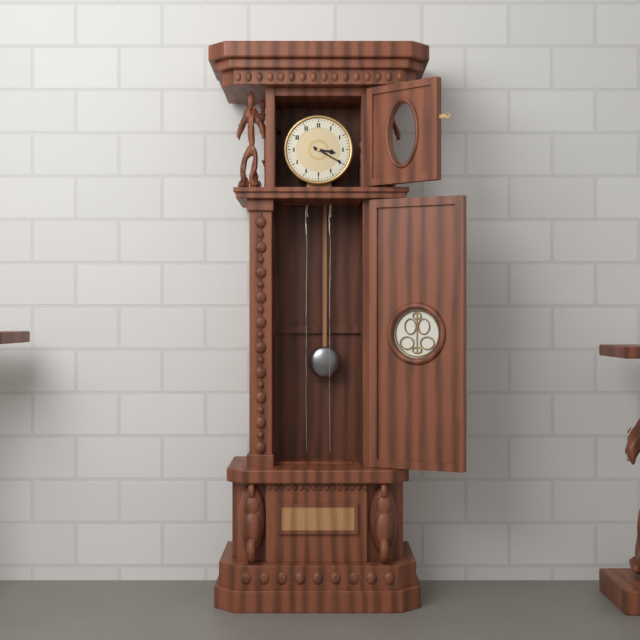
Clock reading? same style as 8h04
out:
3h20
